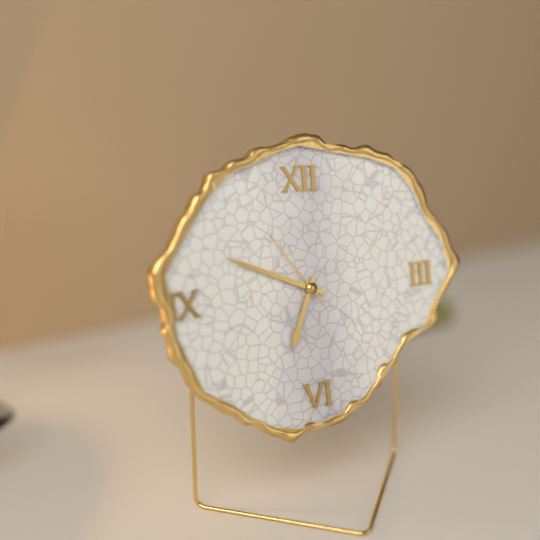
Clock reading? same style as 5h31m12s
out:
6h49m54s
